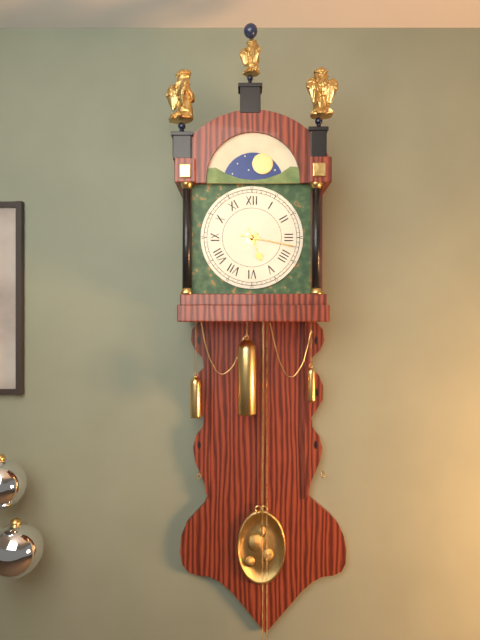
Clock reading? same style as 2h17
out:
5h17
